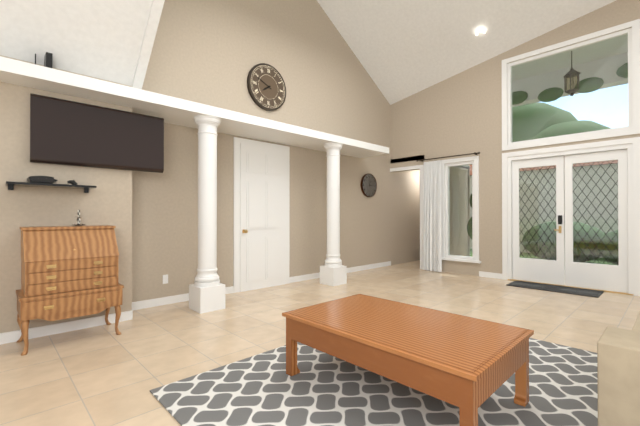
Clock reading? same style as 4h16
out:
7h49
